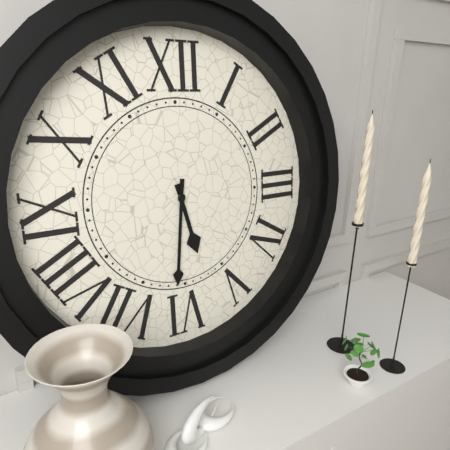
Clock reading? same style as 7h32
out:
5h31
